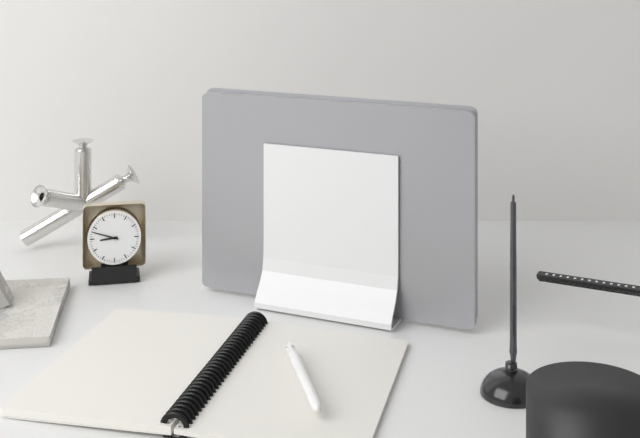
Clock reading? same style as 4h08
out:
8h48
